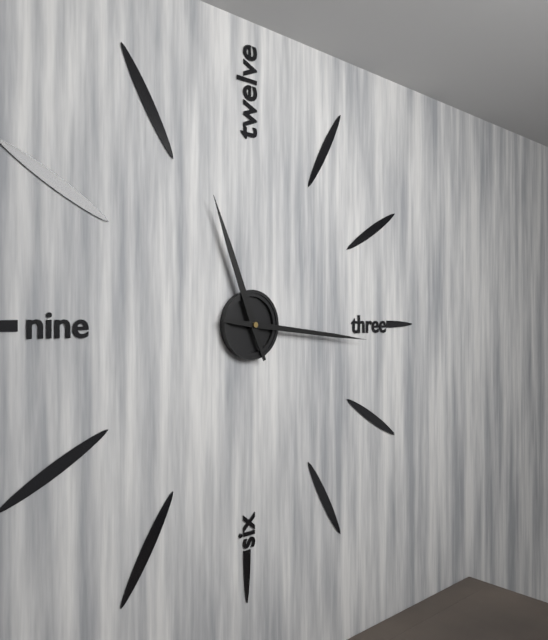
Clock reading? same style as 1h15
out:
11h16
